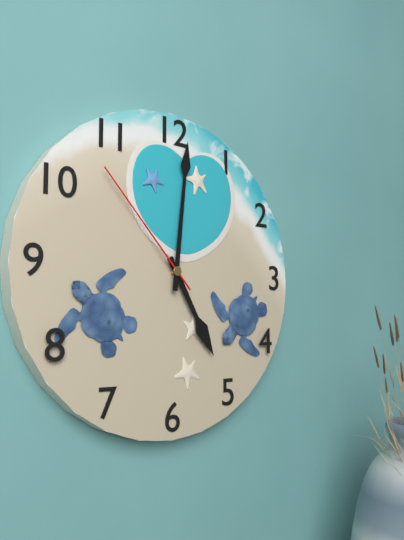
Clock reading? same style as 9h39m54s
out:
5h01m53s
